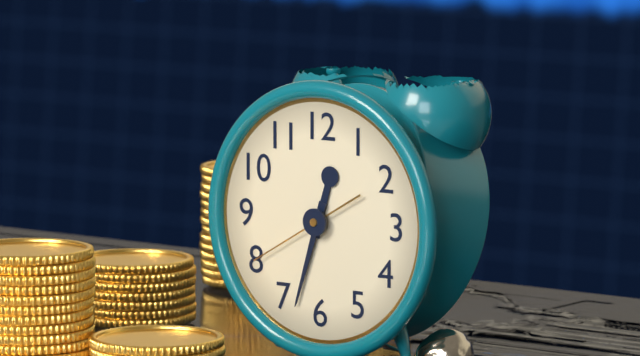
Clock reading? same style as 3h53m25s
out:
12h33m40s
